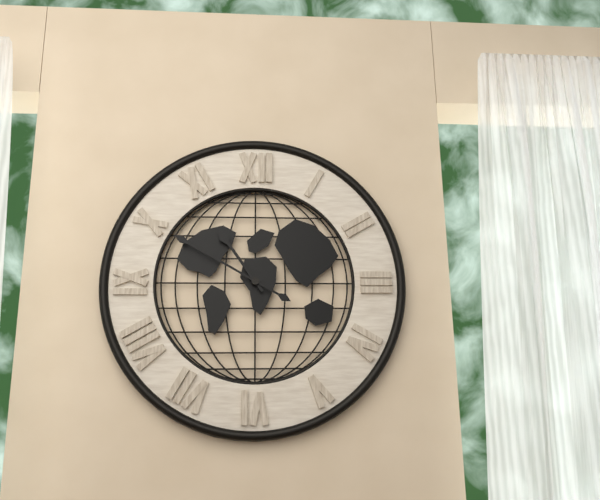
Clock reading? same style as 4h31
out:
10h50
